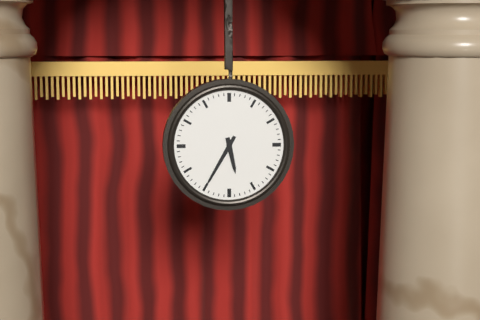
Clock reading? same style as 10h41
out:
5h35
